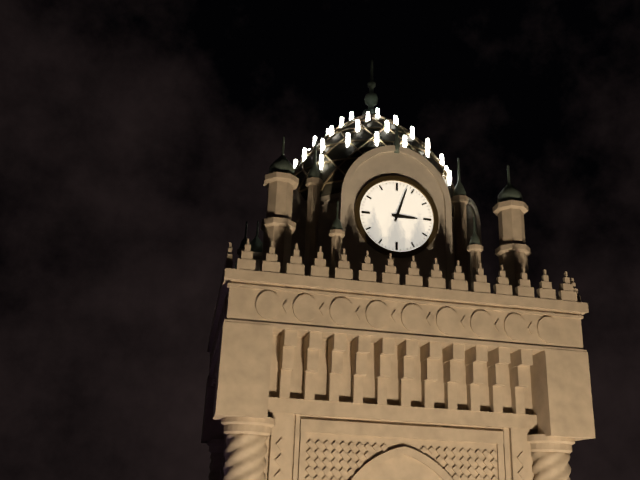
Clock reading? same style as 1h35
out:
3h03
